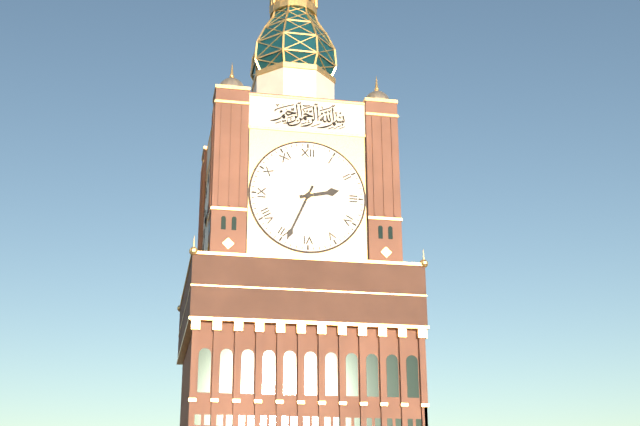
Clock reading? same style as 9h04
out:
2h34
